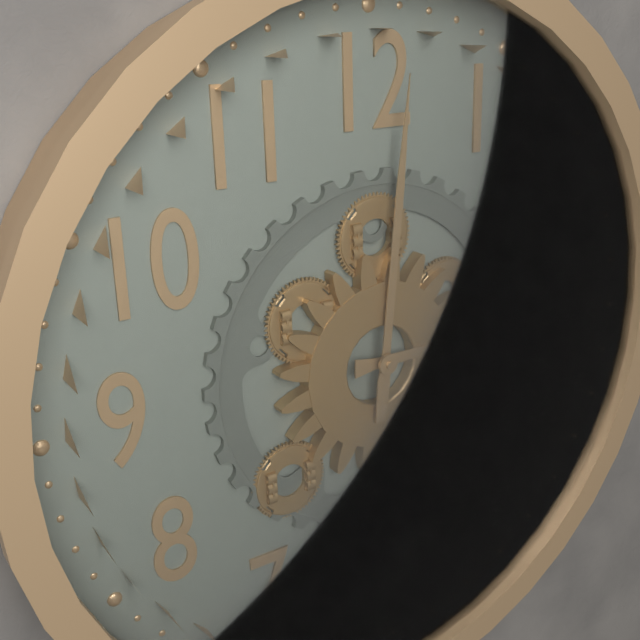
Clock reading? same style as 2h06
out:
3h01
